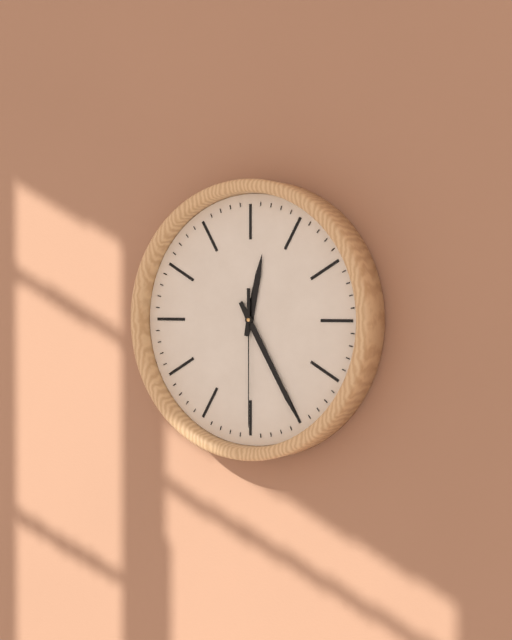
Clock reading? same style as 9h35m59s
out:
12h25m30s
